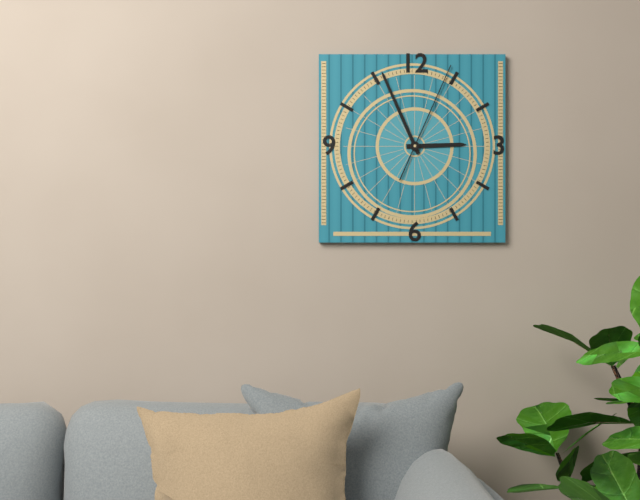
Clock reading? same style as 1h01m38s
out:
2h56m04s
